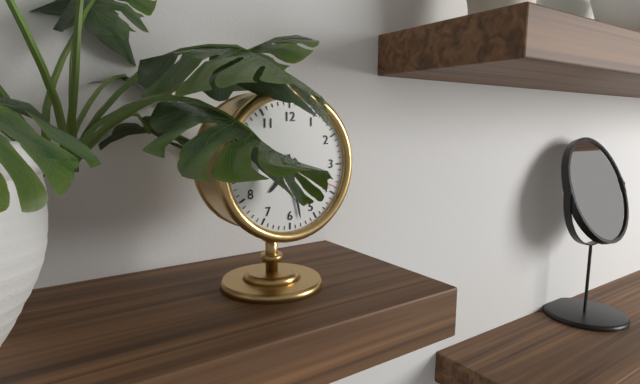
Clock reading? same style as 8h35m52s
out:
7h28m19s
